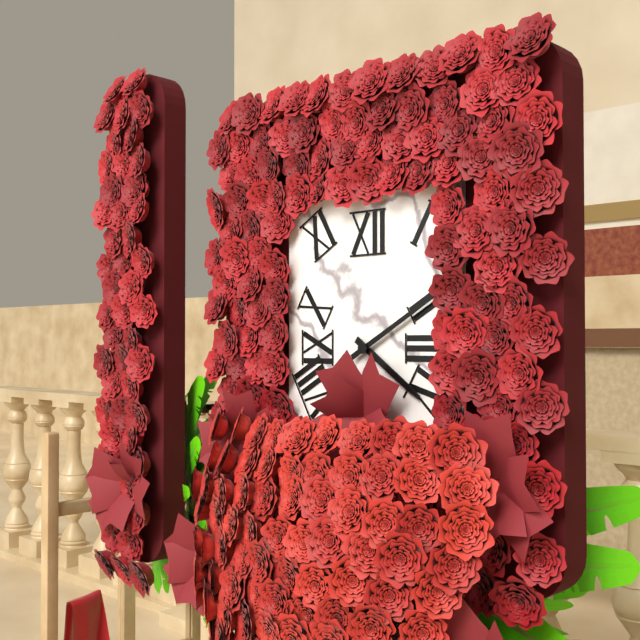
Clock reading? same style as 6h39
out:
4h10
